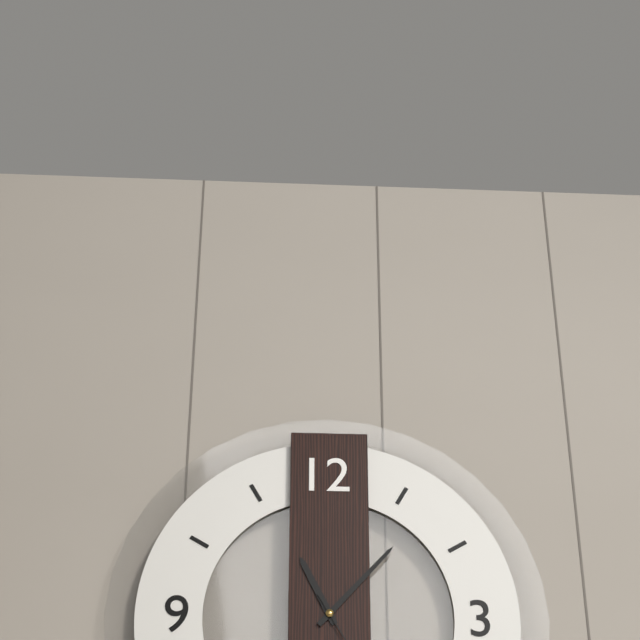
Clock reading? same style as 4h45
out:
11h07
